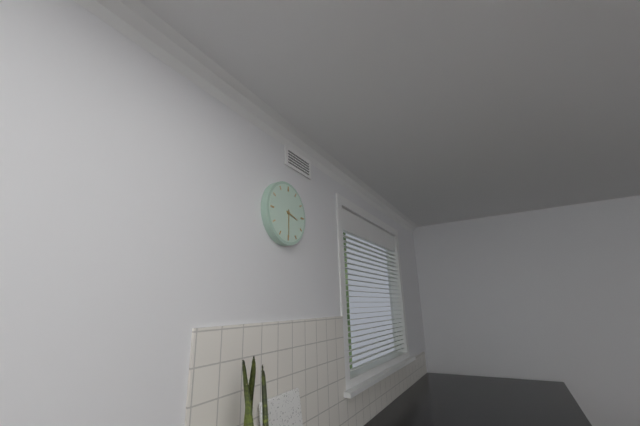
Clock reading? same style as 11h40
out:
3h30
